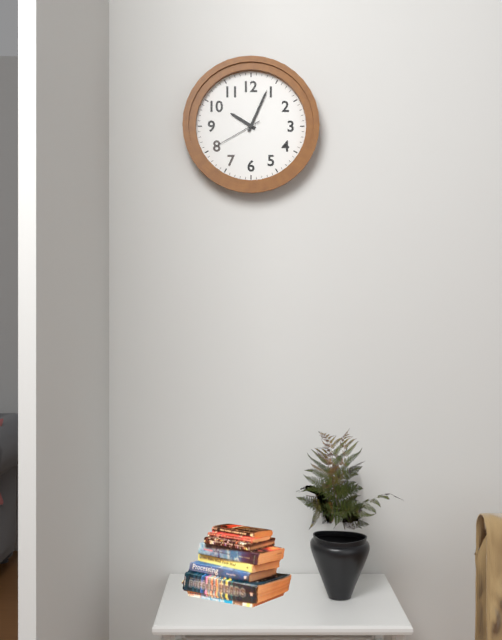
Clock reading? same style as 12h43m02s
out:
10h04m40s
